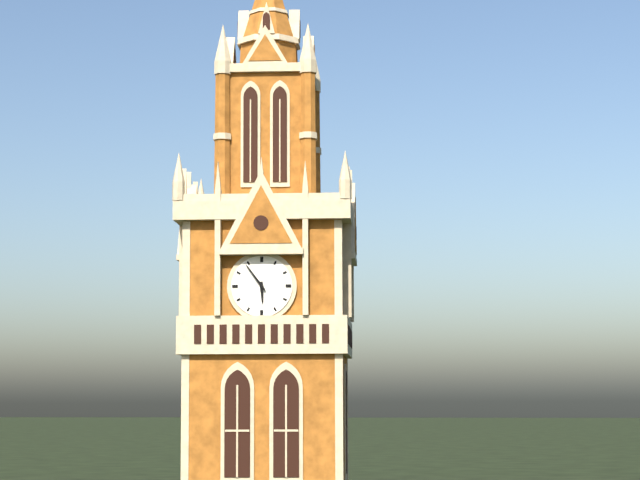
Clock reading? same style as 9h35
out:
5h54
